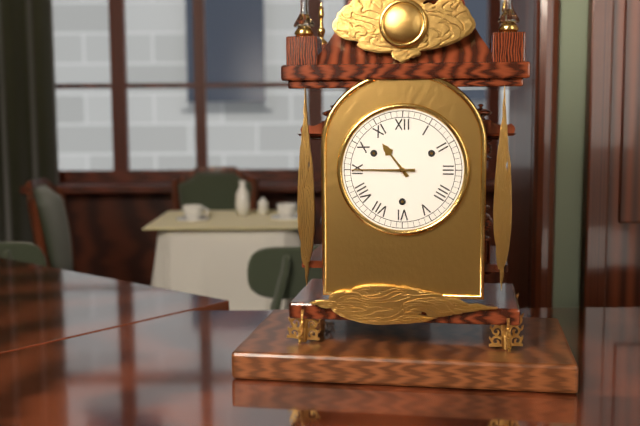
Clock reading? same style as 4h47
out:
10h45
